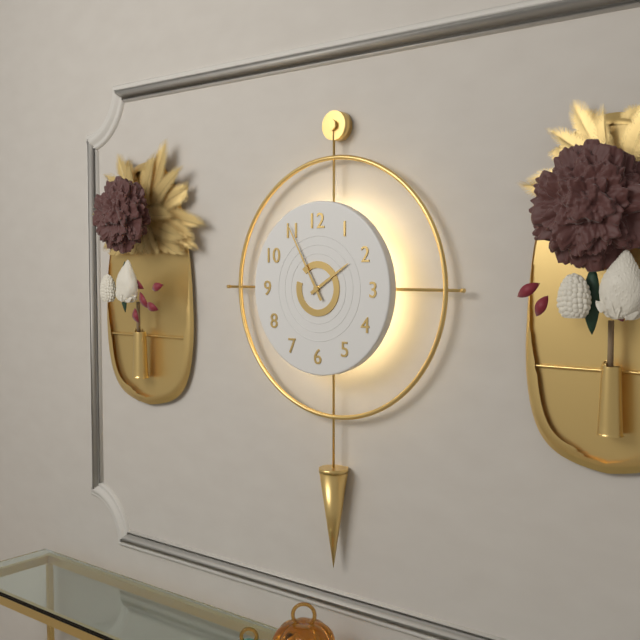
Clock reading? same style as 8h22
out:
1h55
